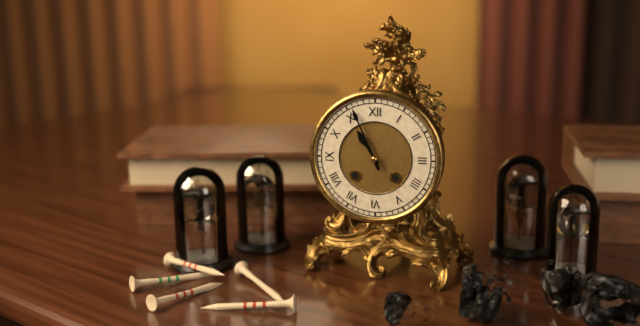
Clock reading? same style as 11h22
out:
10h56
